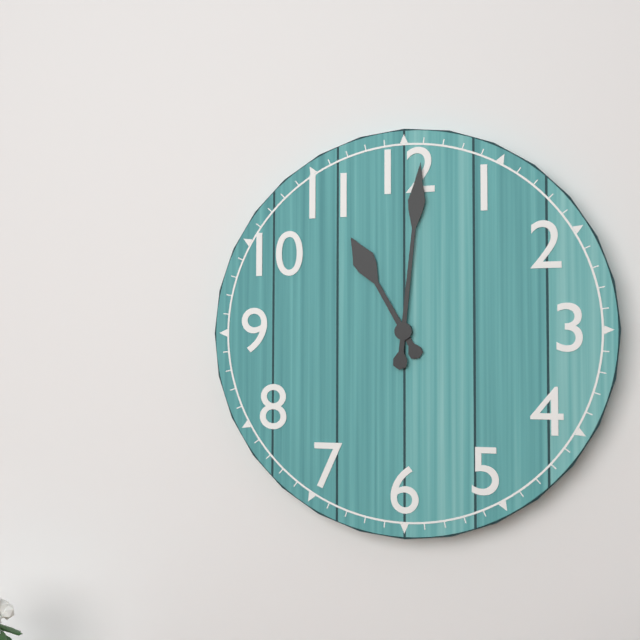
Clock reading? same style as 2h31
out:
11h01
